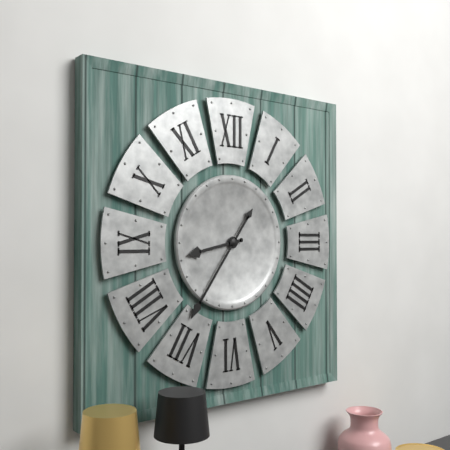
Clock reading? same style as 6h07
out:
8h36
